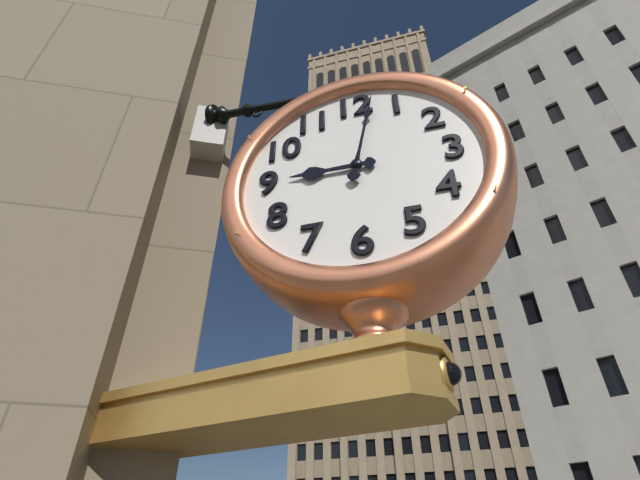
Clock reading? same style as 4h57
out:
9h02
